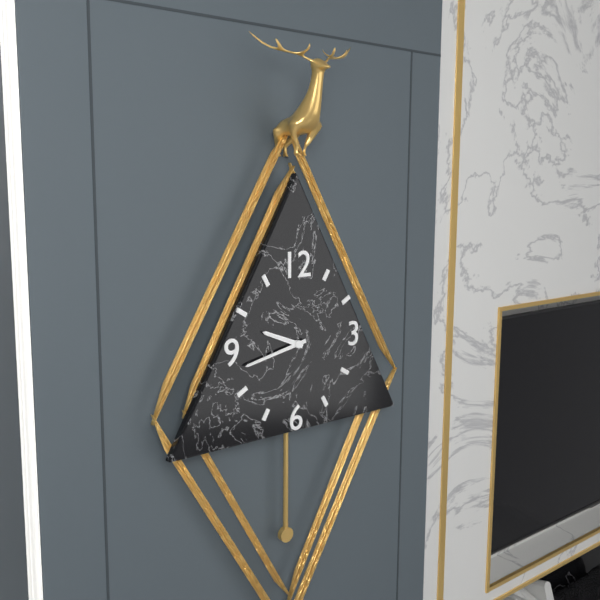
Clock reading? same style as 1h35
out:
9h43
